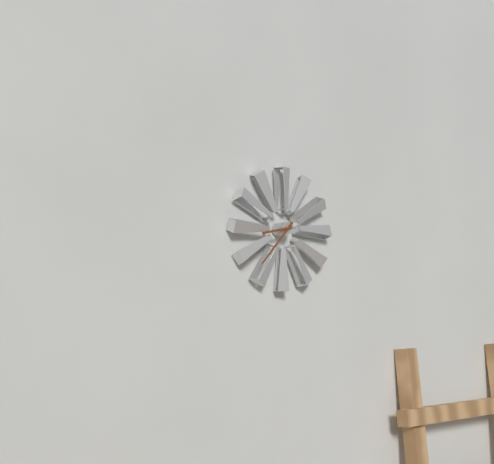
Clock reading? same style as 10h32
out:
8h37
